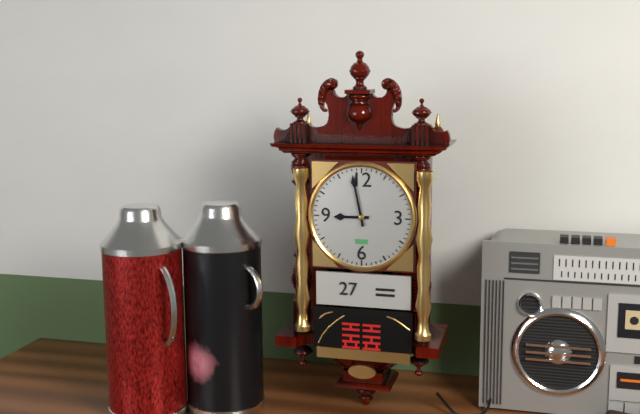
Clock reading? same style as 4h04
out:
8h58
